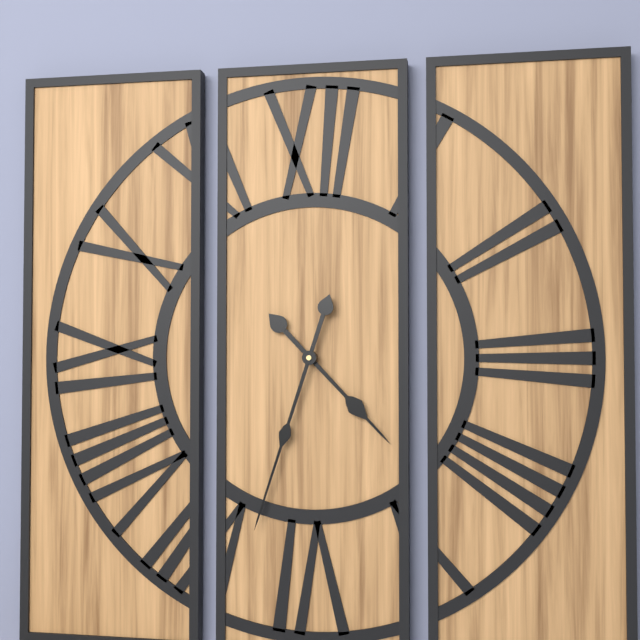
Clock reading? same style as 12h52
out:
4h33
